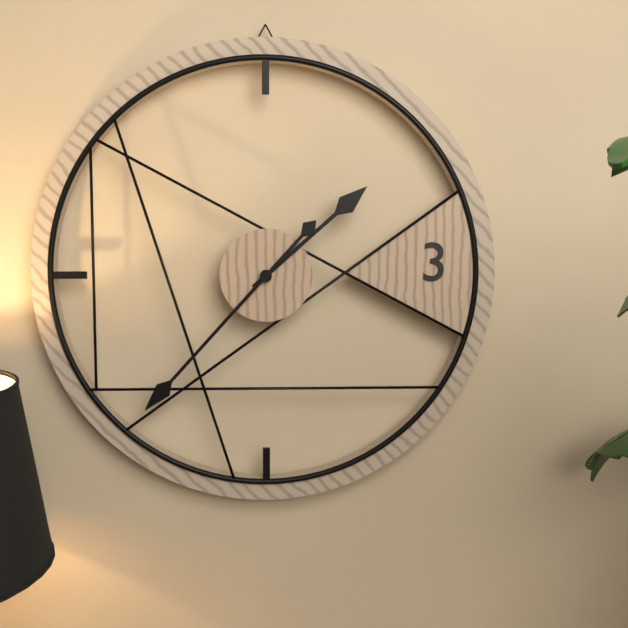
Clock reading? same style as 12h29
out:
1h37
